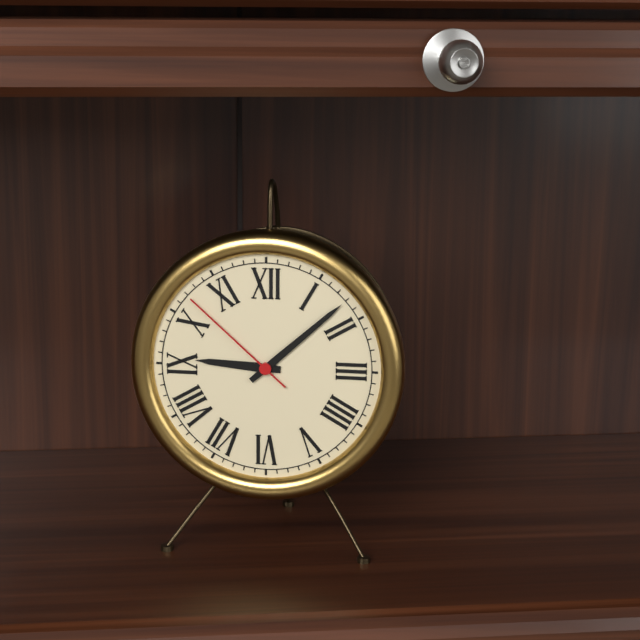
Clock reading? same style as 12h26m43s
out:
9h08m52s
